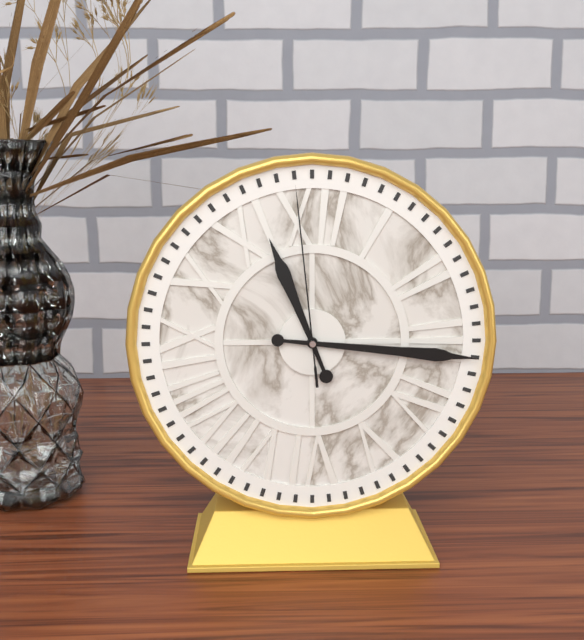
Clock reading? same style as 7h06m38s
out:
11h16m59s
